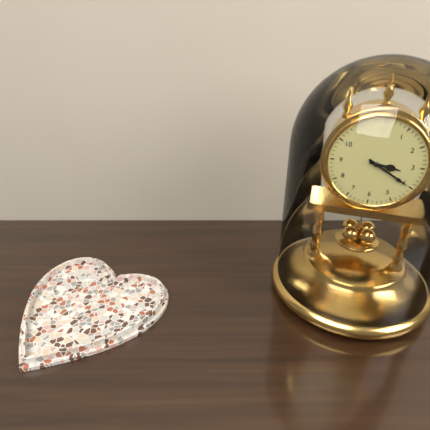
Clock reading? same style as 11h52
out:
3h20
